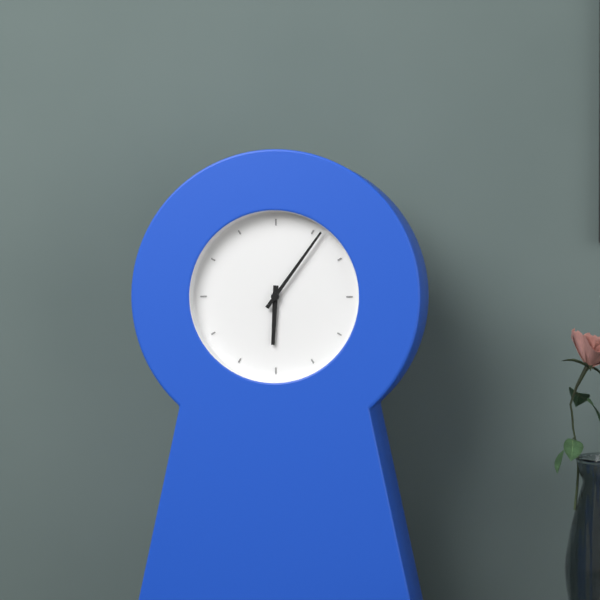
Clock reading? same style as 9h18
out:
6h06
